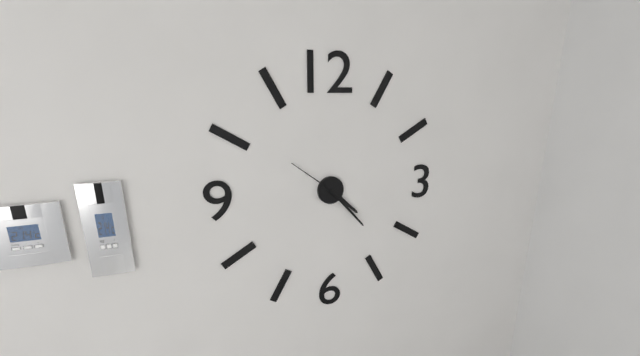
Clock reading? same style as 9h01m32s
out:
4h23m51s
